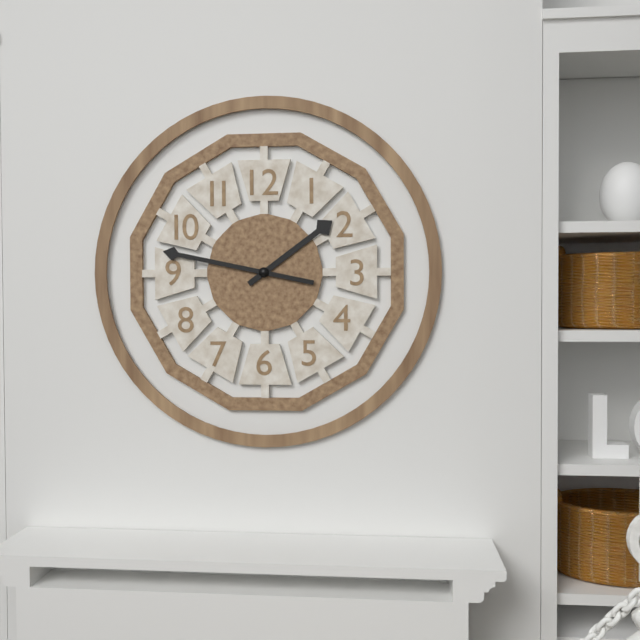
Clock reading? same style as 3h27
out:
1h47
